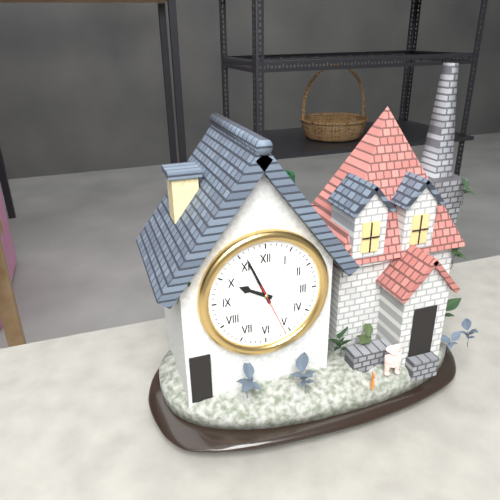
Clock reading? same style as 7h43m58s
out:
9h56m26s
